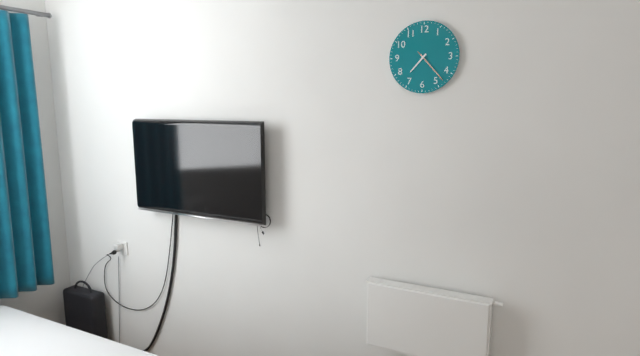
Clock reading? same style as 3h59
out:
7h23
